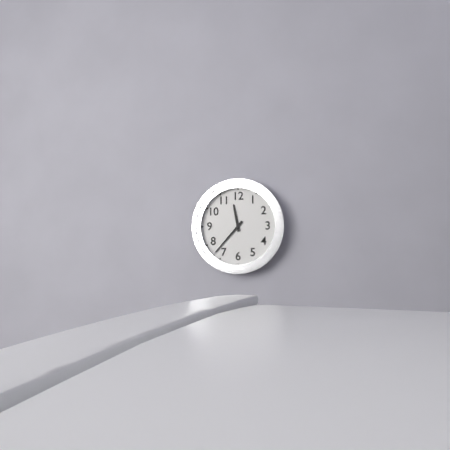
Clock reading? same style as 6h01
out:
11h37
